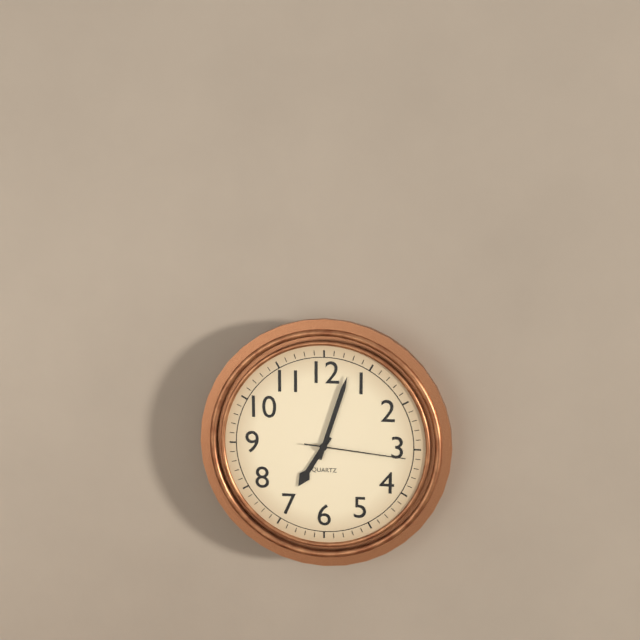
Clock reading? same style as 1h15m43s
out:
7h03m16s
